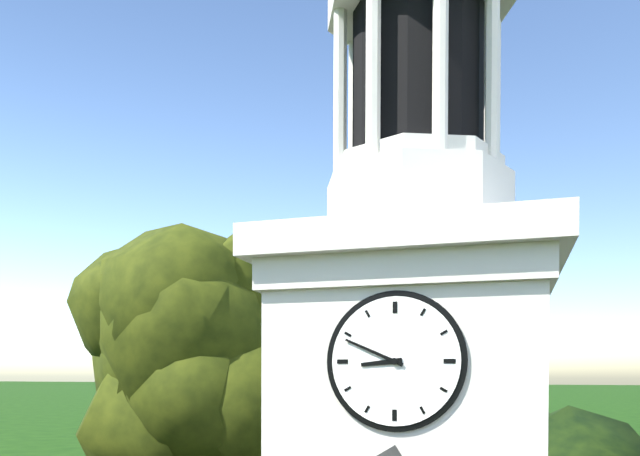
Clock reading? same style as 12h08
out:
8h49
